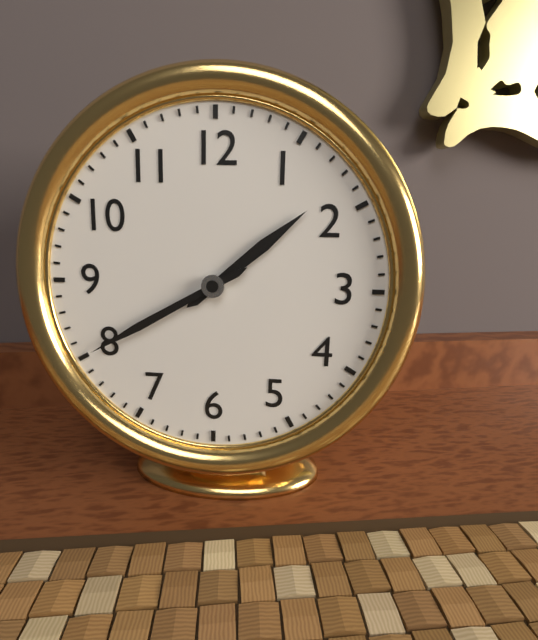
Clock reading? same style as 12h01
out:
1h40
